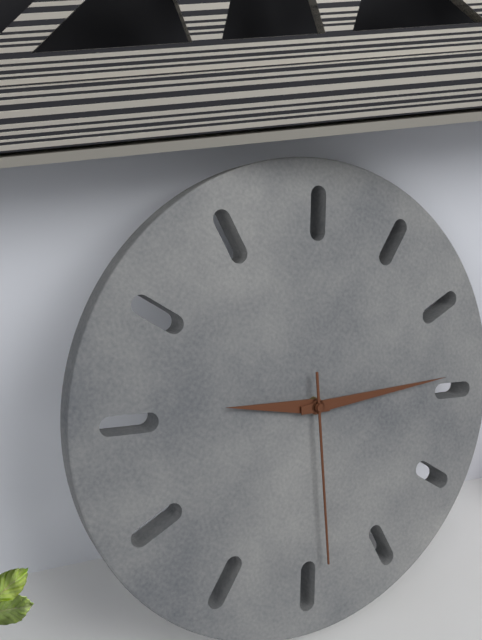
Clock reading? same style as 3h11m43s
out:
8h09m24s
